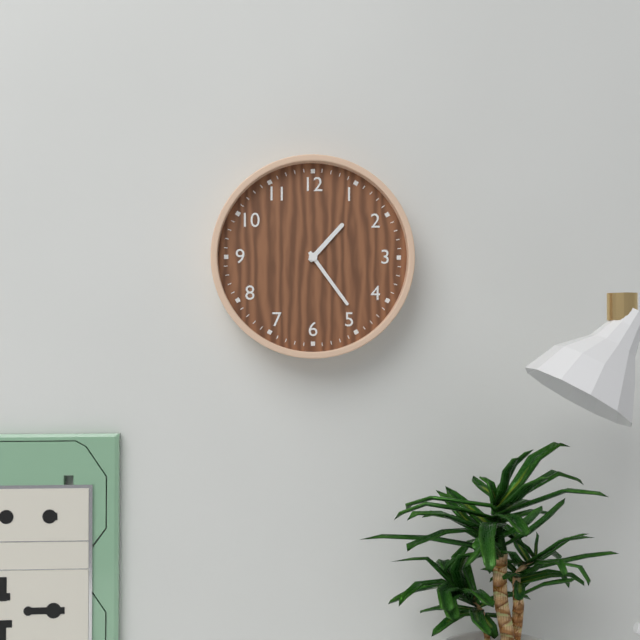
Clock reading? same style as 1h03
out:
1h24
